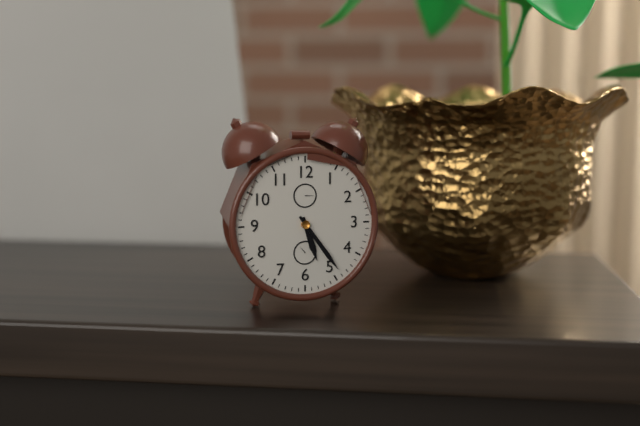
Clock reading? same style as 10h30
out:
5h24
